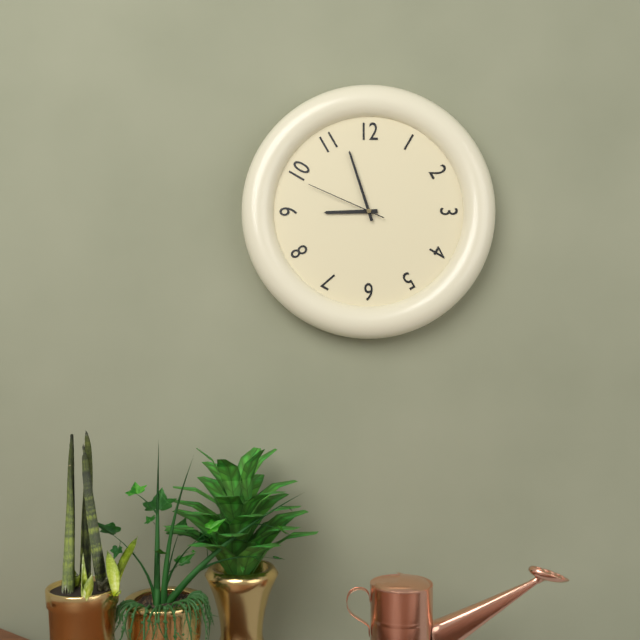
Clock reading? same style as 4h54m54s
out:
8h57m49s
